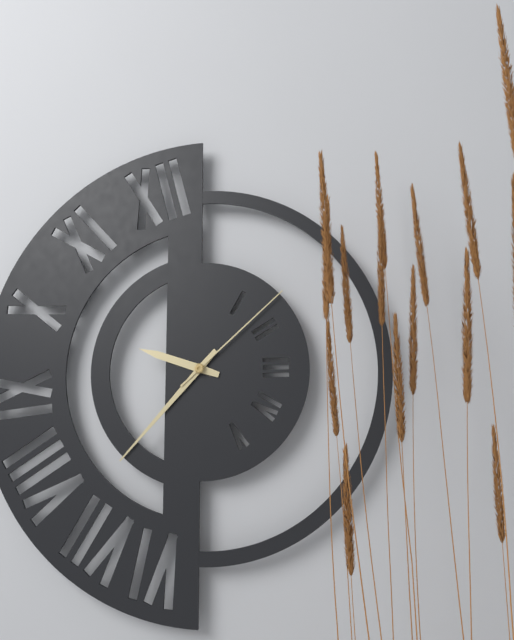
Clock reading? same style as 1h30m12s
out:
9h37m08s
